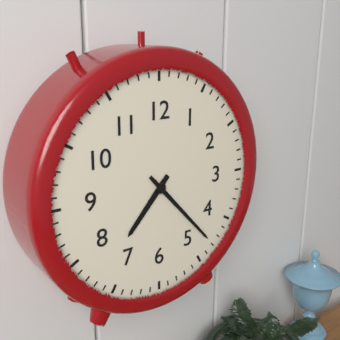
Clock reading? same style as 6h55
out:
7h23
